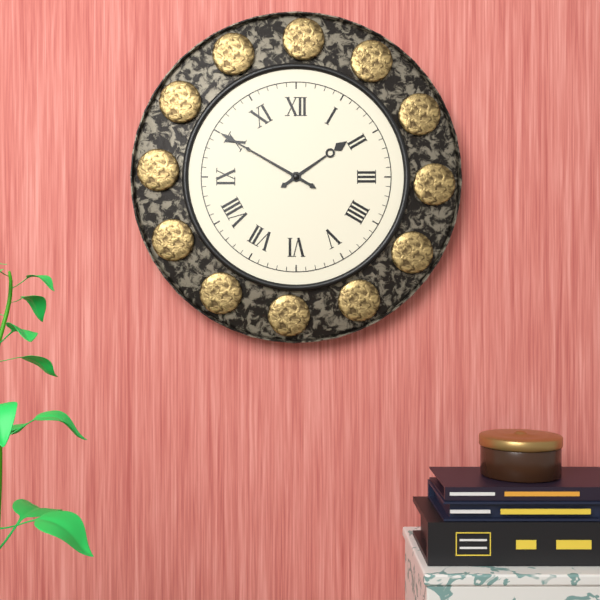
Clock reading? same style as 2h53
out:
1h50
